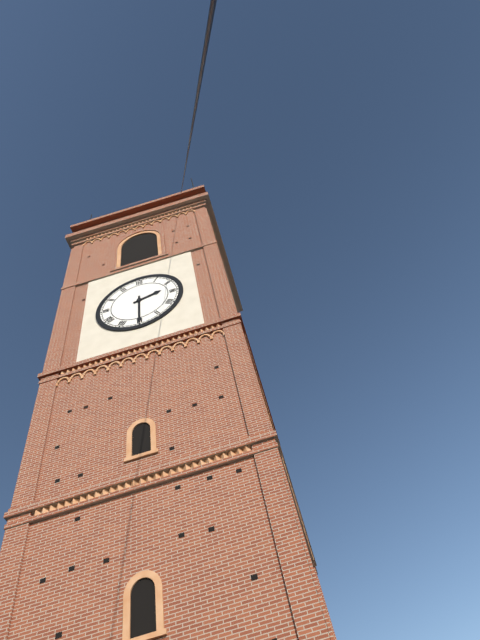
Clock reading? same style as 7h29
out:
2h30
